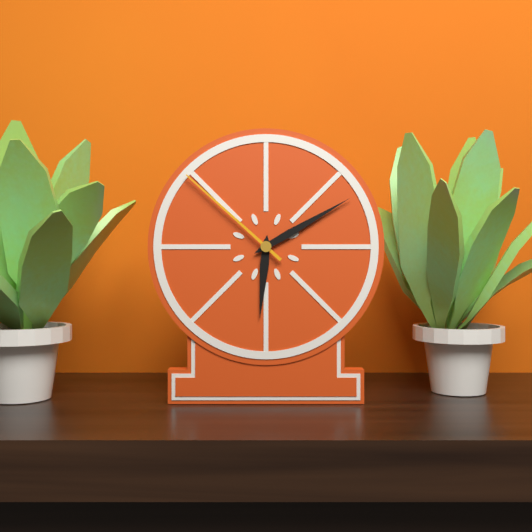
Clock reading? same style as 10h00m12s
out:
6h10m52s
